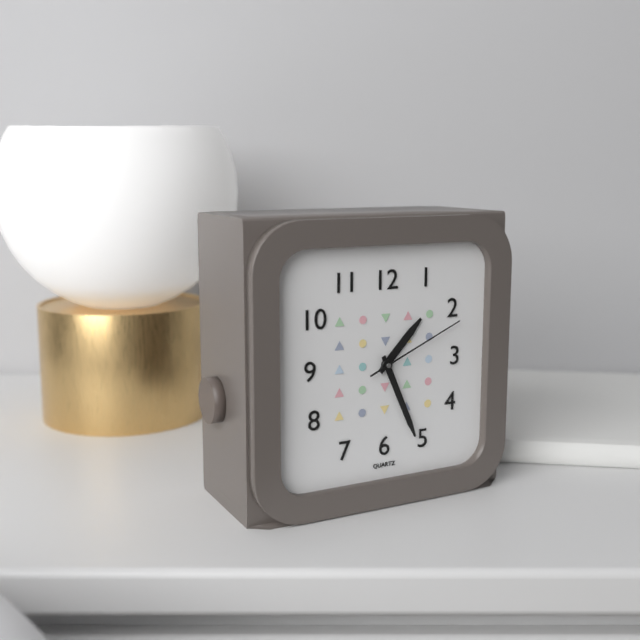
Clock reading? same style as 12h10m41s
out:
1h26m11s
